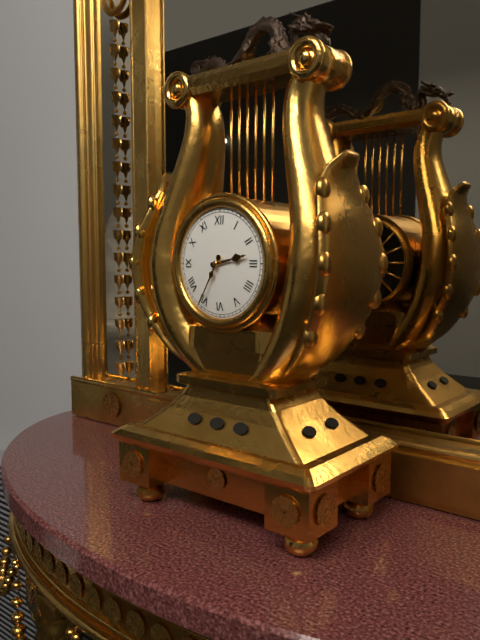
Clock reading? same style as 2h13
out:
2h35
